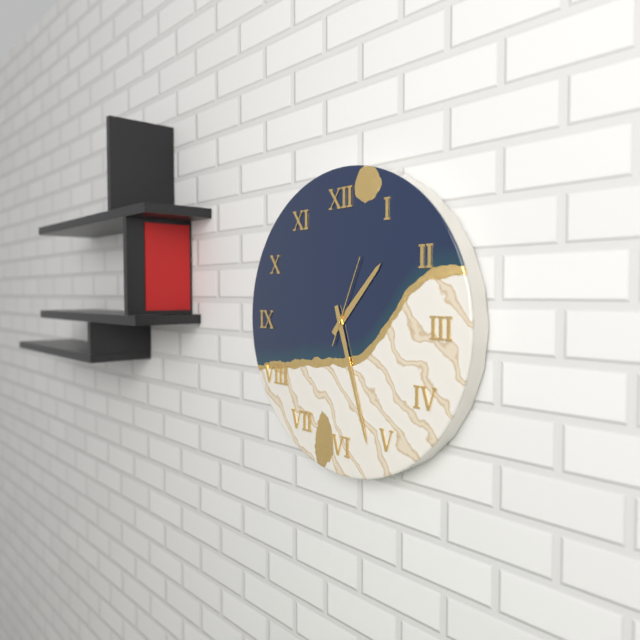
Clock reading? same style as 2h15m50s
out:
1h27m04s
